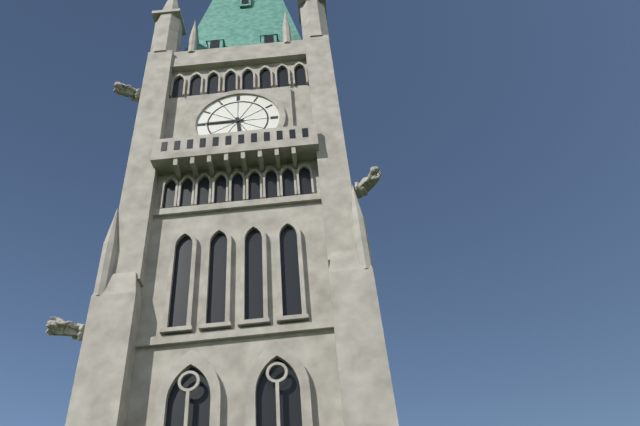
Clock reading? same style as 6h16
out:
5h45
